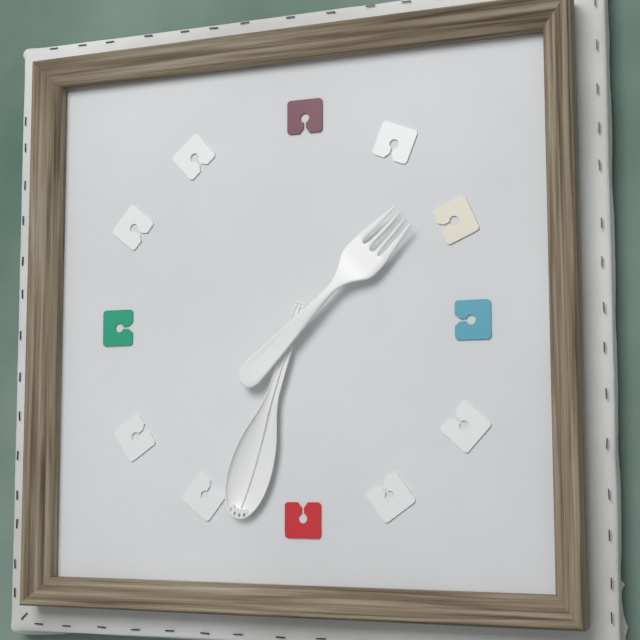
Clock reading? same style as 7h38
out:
1h33
